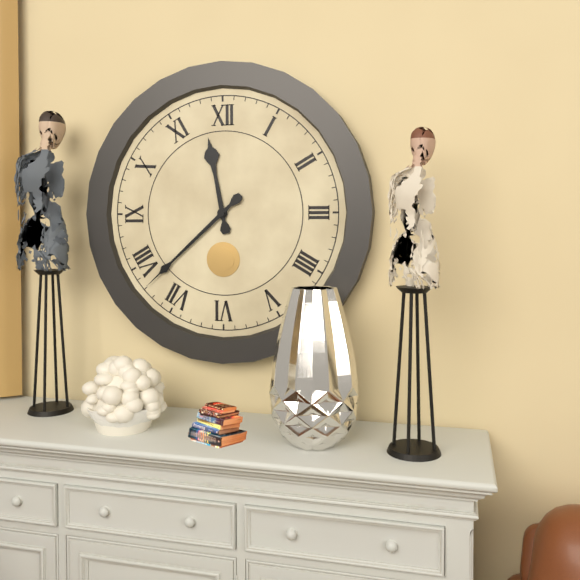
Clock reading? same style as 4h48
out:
11h38
